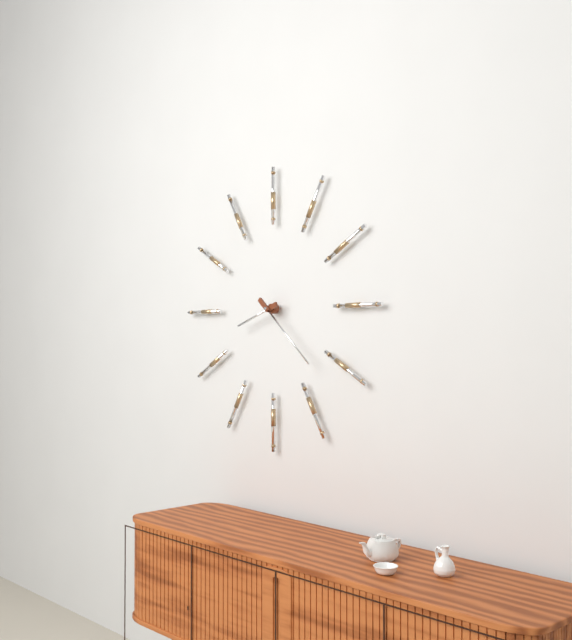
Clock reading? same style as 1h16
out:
8h22
